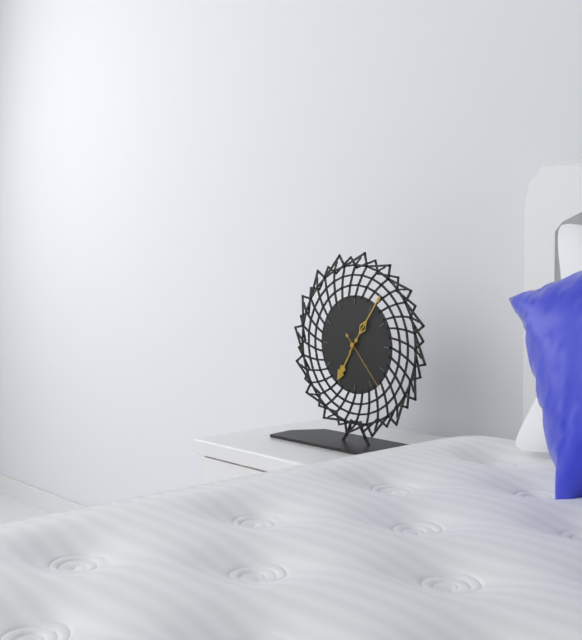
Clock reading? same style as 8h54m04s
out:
7h06m23s
